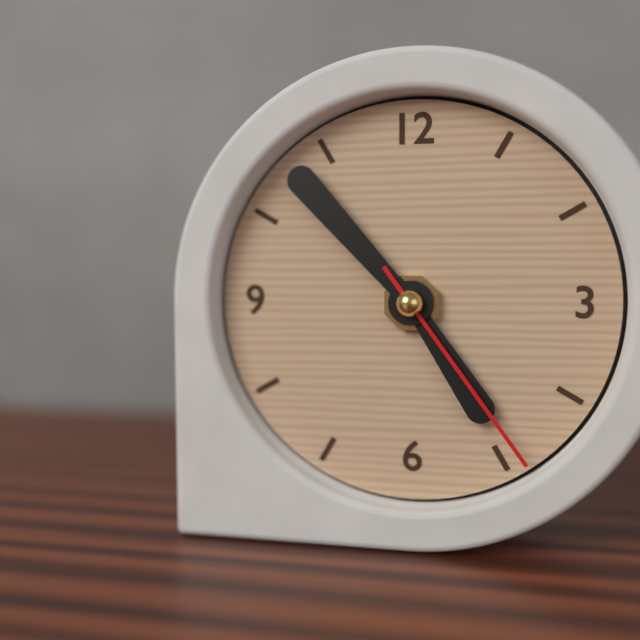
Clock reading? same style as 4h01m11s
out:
4h53m24s
